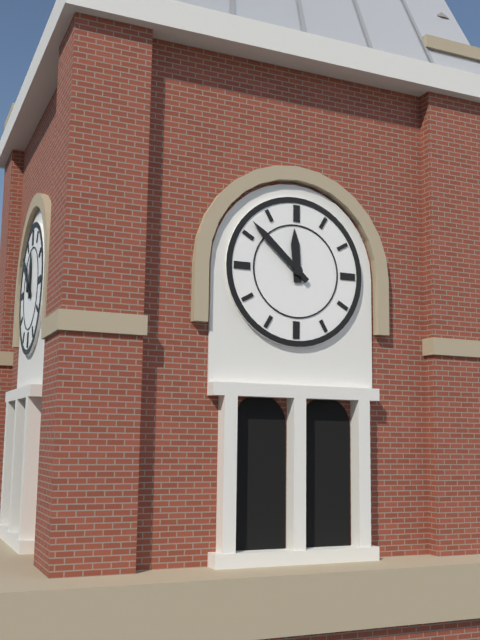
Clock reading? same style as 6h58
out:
11h52
